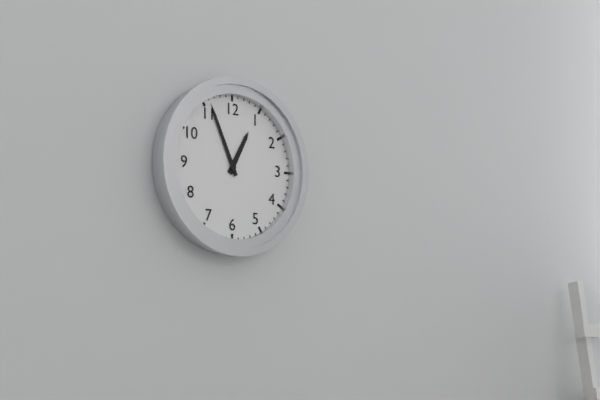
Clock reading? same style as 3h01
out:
12h56
